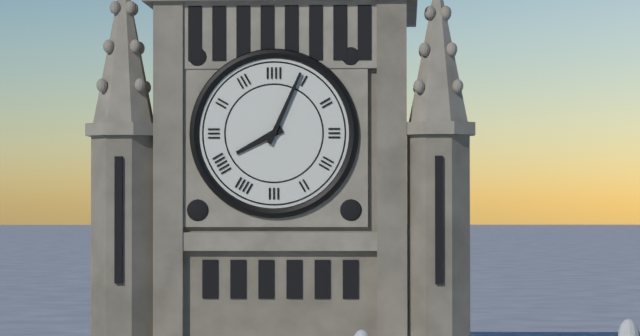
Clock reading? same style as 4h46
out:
8h04
